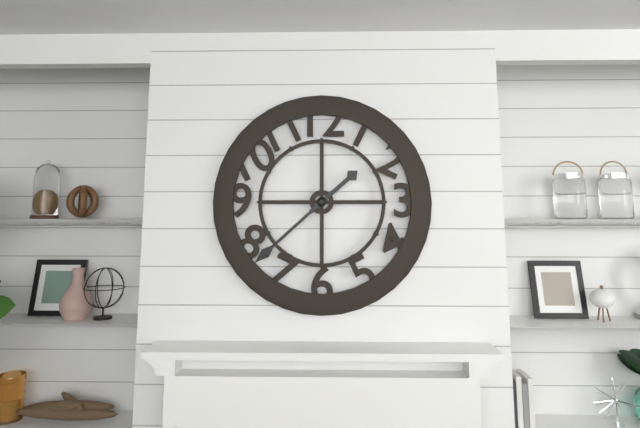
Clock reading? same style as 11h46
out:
1h38
